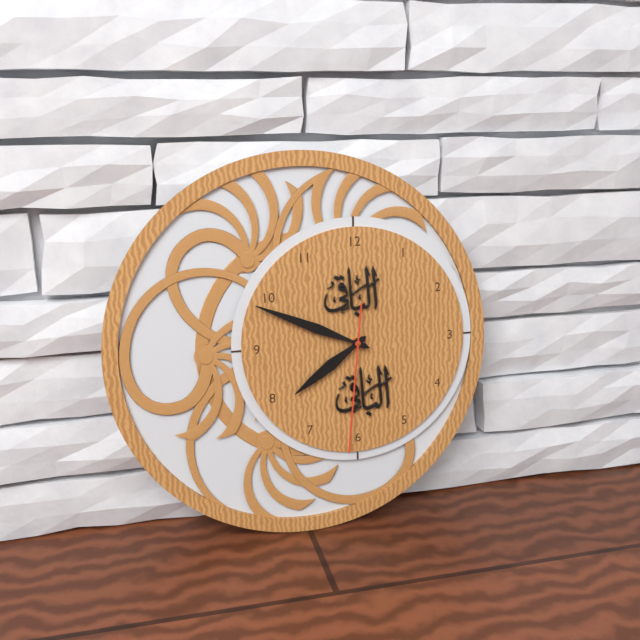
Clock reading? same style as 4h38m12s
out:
7h49m31s
